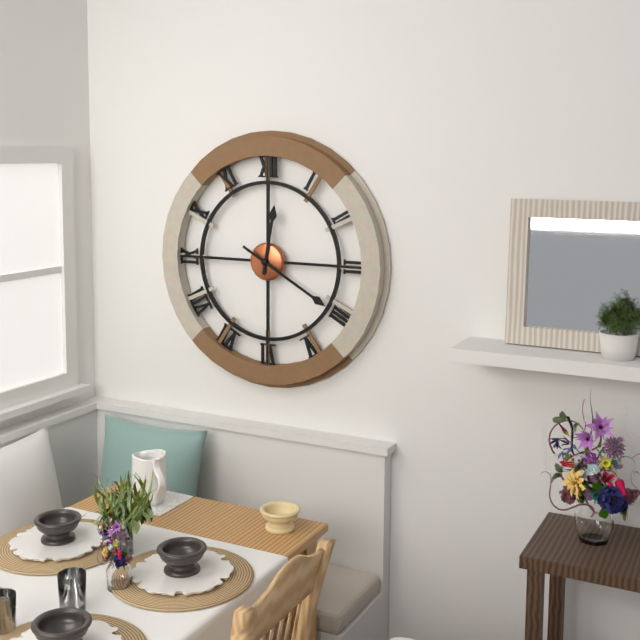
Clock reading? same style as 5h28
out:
12h20
